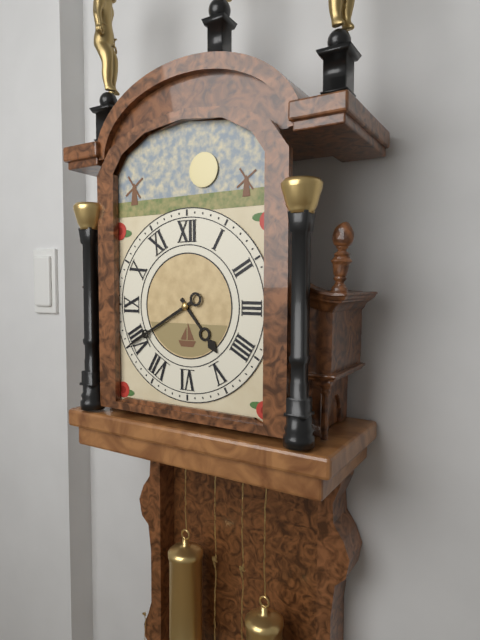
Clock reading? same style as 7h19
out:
4h40
